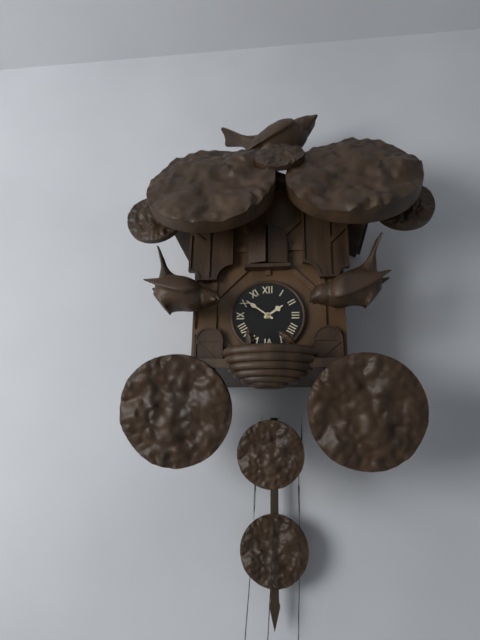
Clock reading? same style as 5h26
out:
1h51
